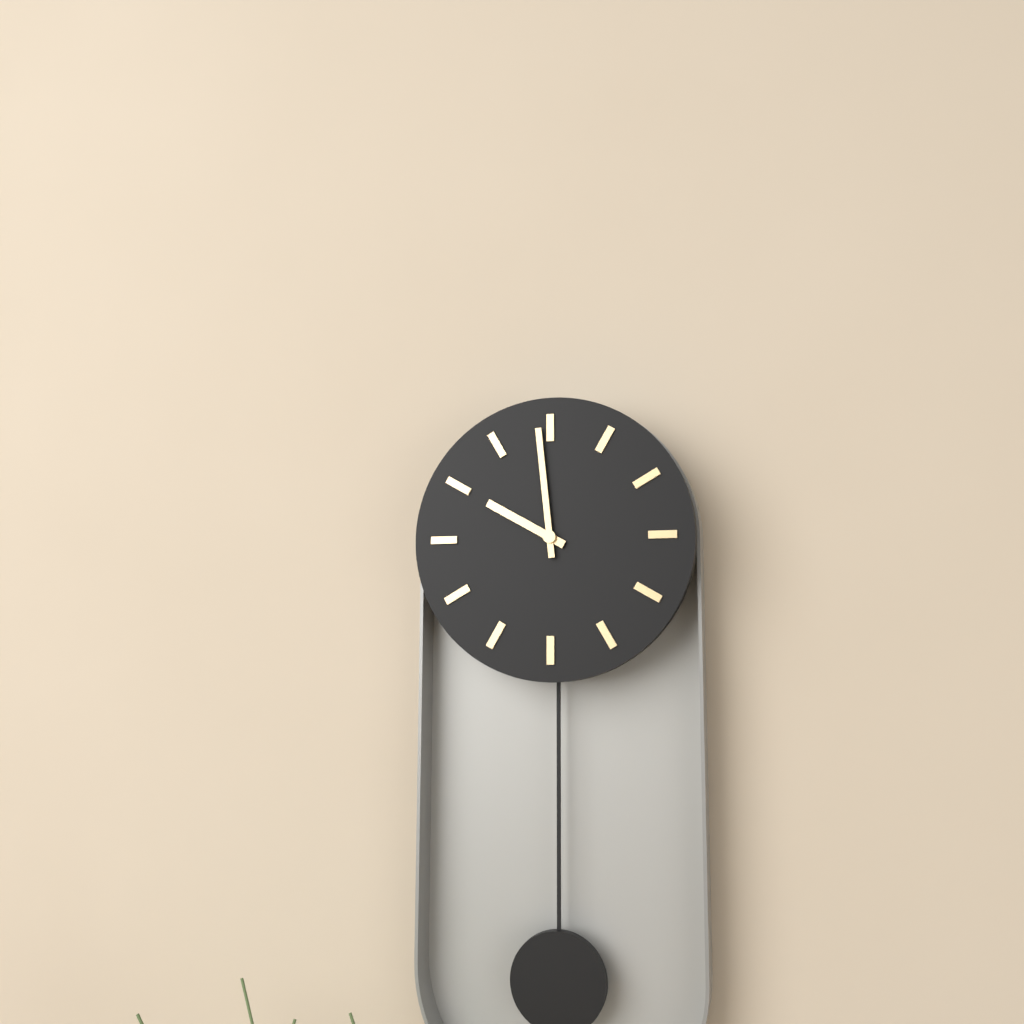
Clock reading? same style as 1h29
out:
9h59
